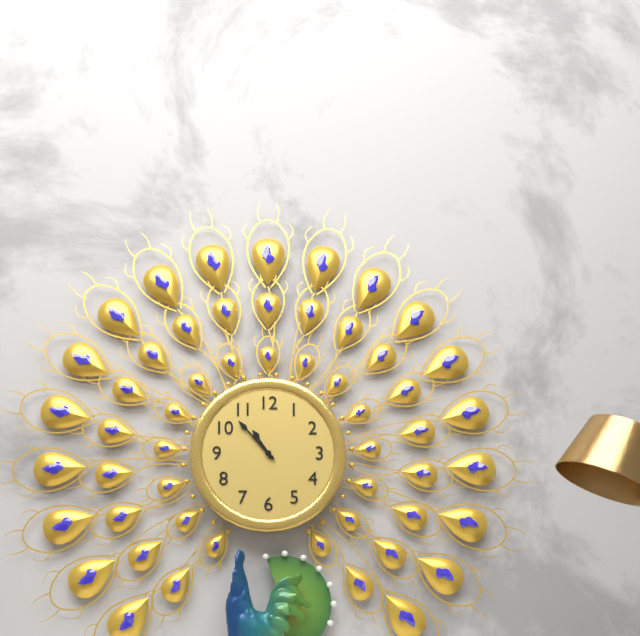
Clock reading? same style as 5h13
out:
10h53
